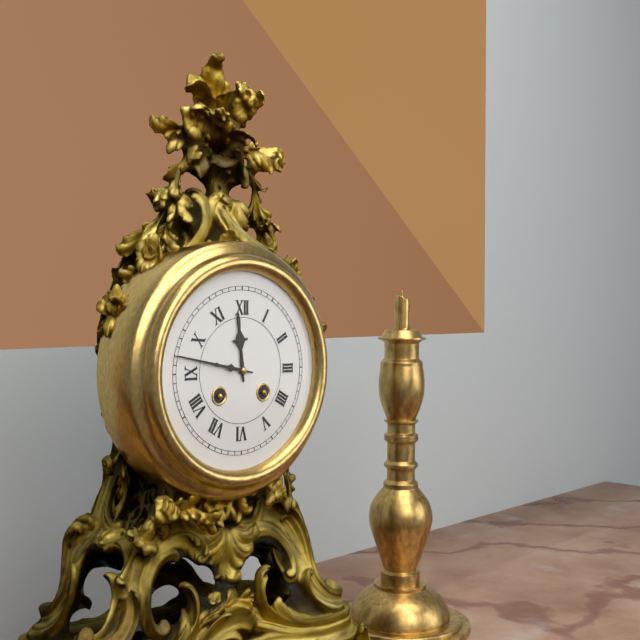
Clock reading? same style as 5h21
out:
11h47
